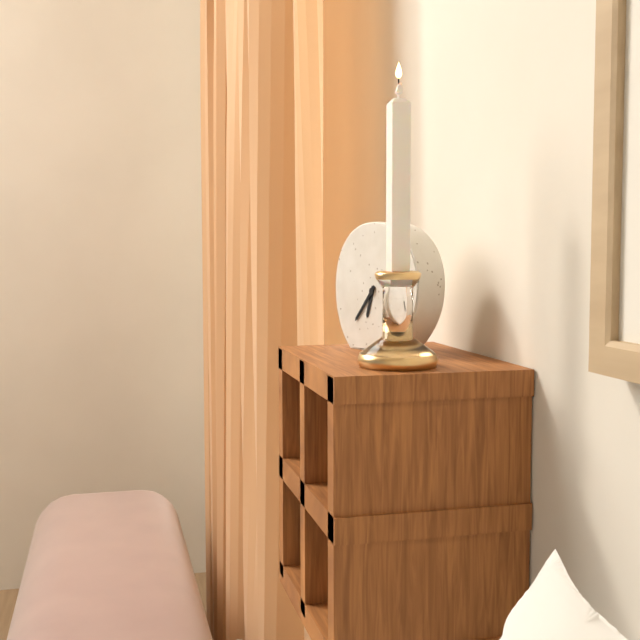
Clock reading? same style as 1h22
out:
6h37
